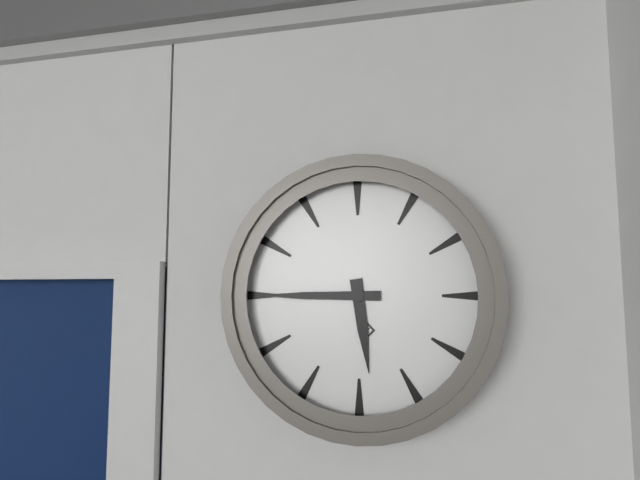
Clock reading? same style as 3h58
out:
5h45
